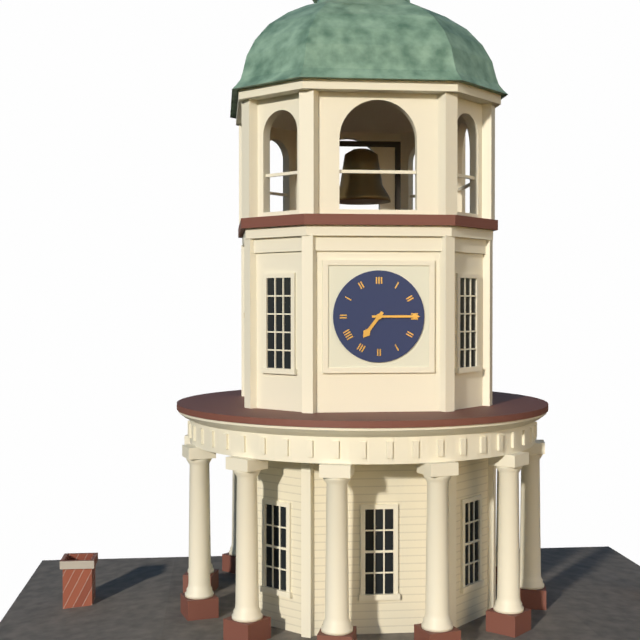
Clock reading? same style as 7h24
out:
7h15
